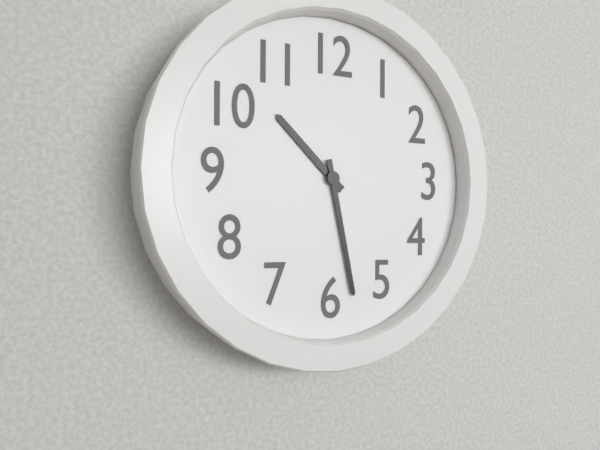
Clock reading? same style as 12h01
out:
10h28
